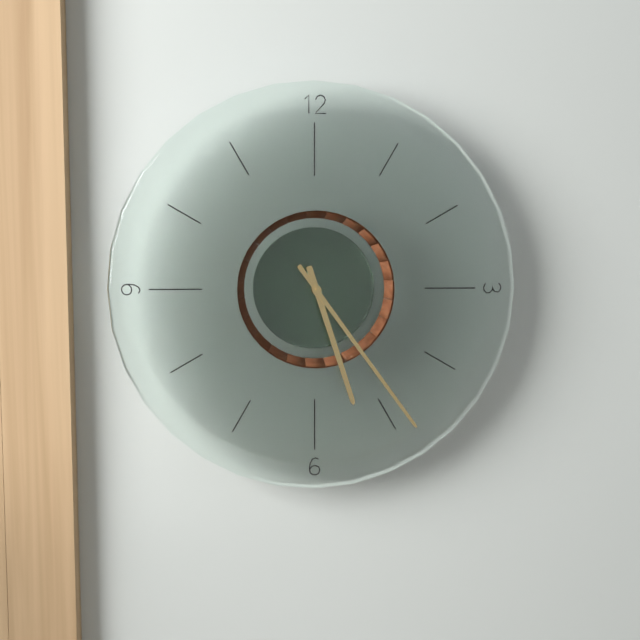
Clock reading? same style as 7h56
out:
5h24
